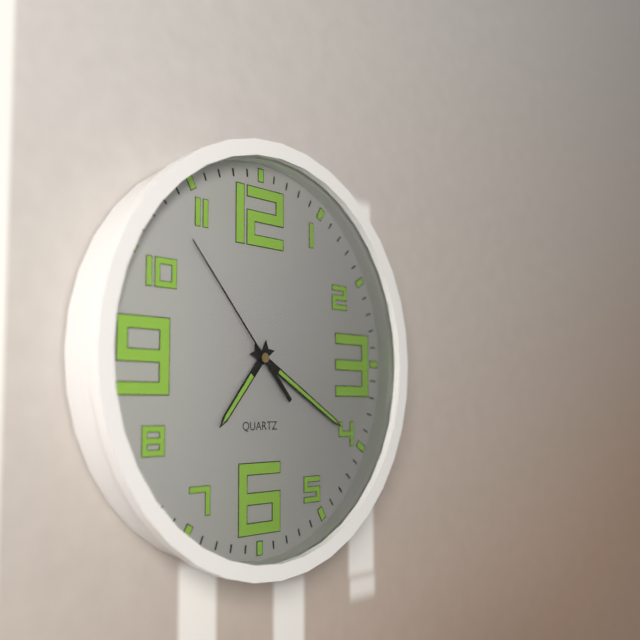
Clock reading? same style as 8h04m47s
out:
7h20m53s
